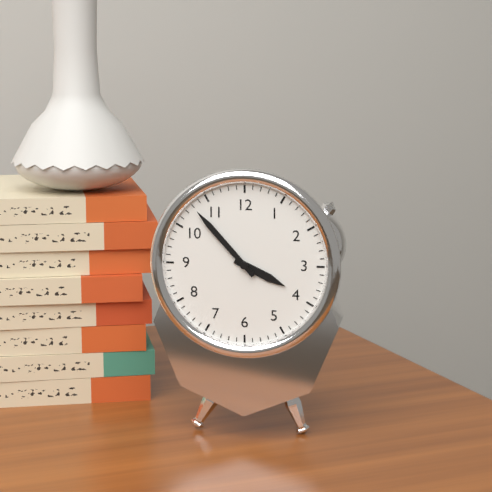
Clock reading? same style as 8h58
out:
3h53
